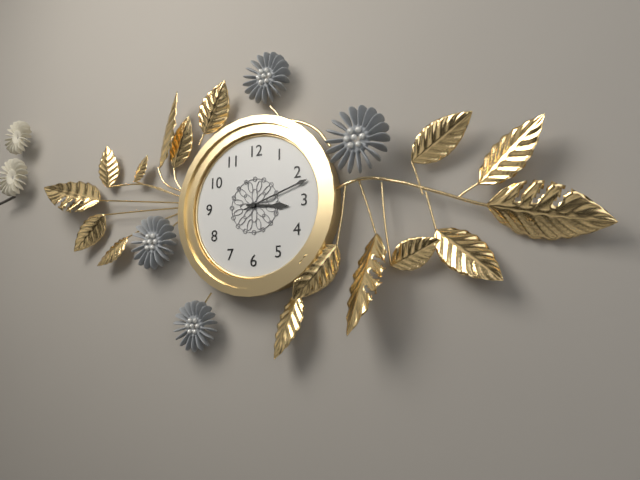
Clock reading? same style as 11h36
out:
3h12
